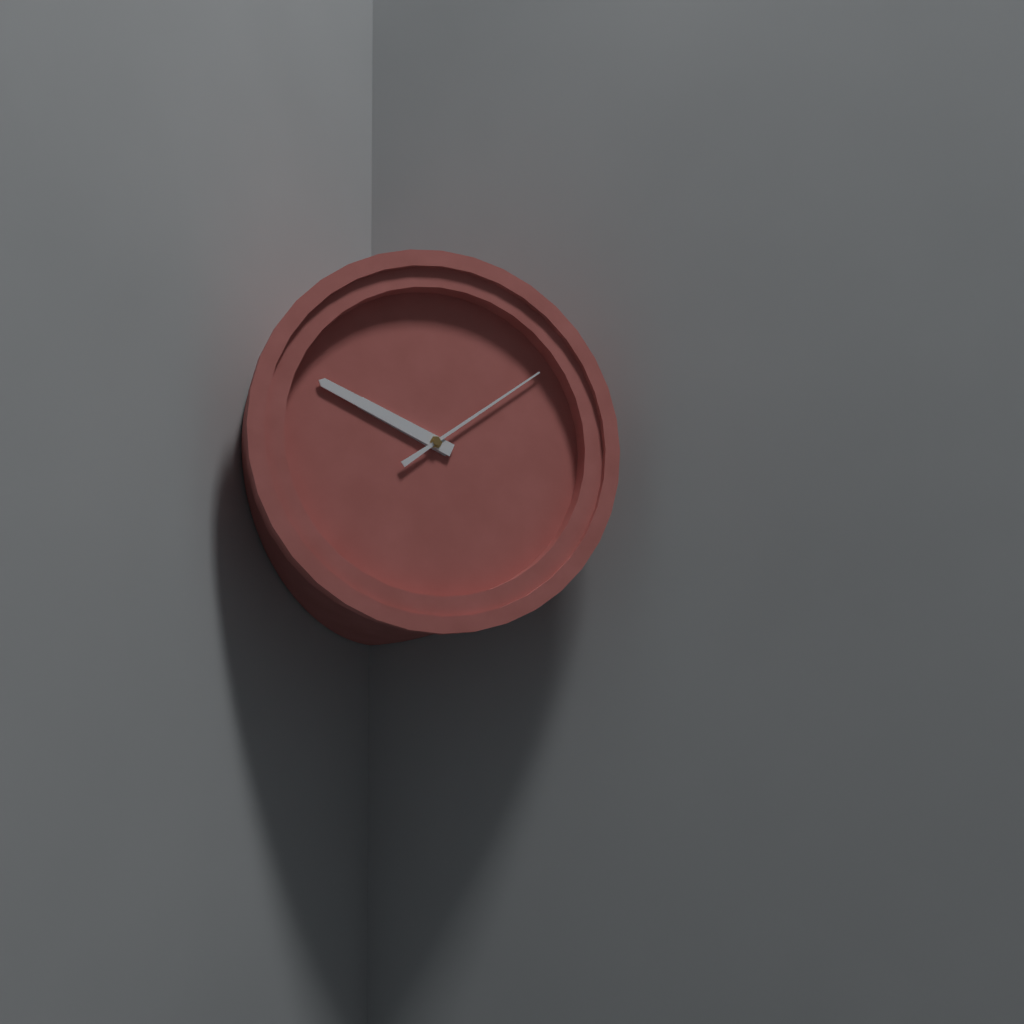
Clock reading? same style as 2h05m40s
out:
9h49m09s
